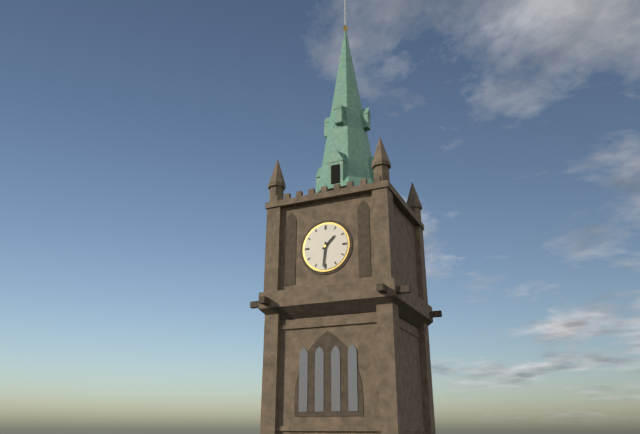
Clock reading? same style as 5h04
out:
1h31
